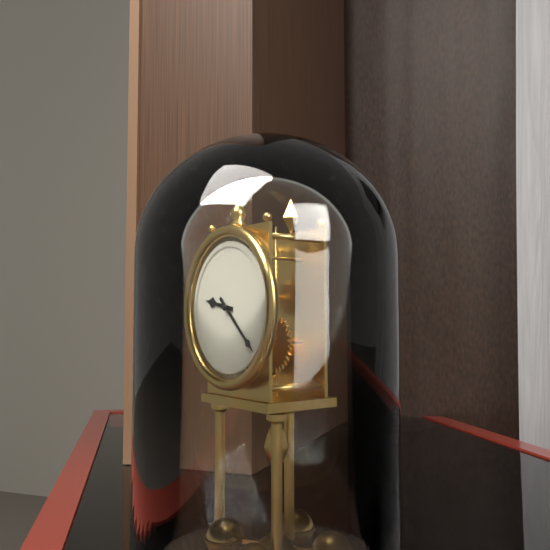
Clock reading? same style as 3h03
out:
9h22
